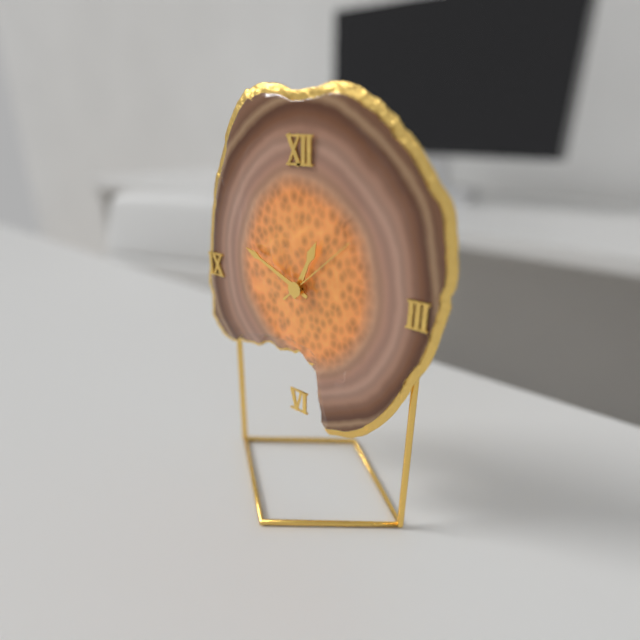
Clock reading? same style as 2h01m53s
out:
12h49m08s
